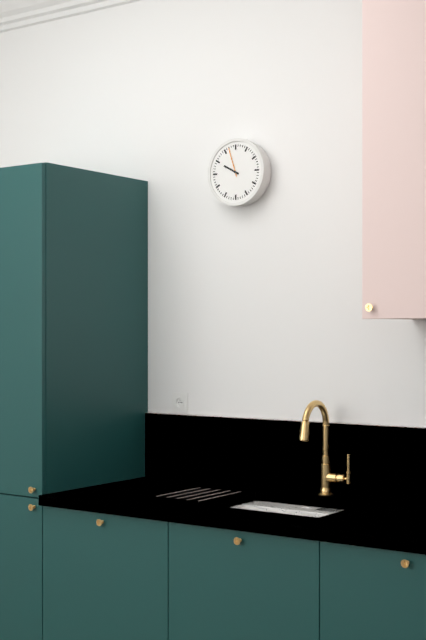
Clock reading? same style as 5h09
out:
9h57
